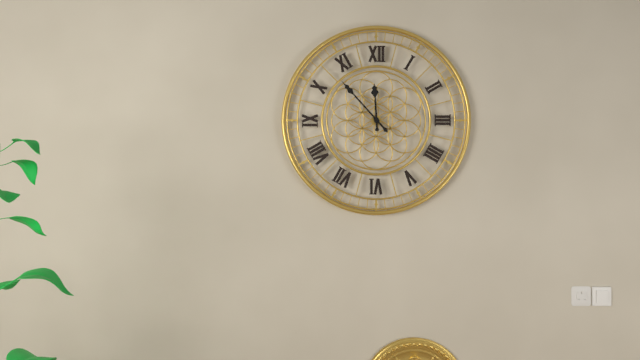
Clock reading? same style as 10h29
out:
11h53
